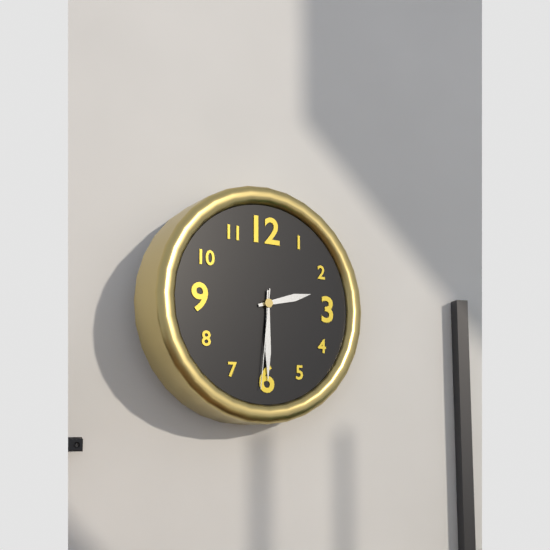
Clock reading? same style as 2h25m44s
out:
2h30m31s
